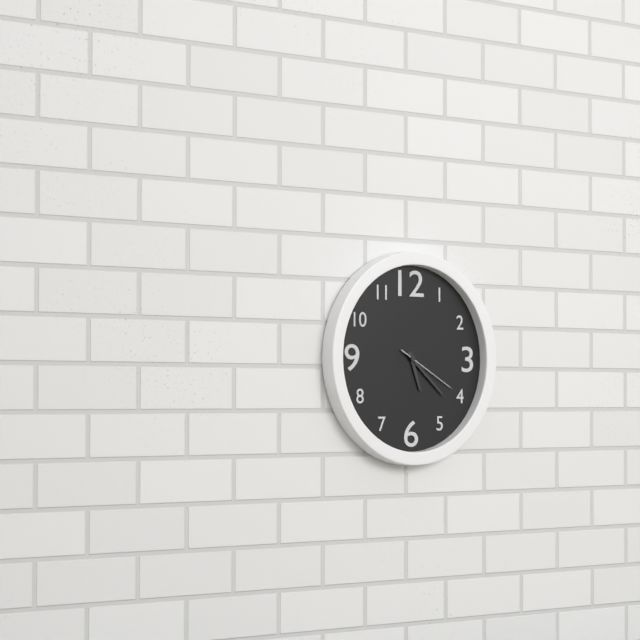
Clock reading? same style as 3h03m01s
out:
5h22m20s
